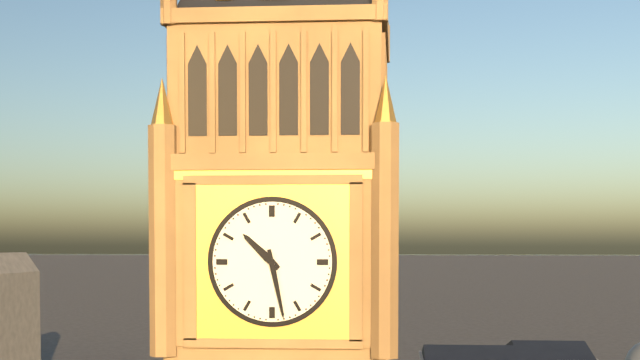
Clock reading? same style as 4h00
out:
10h28
